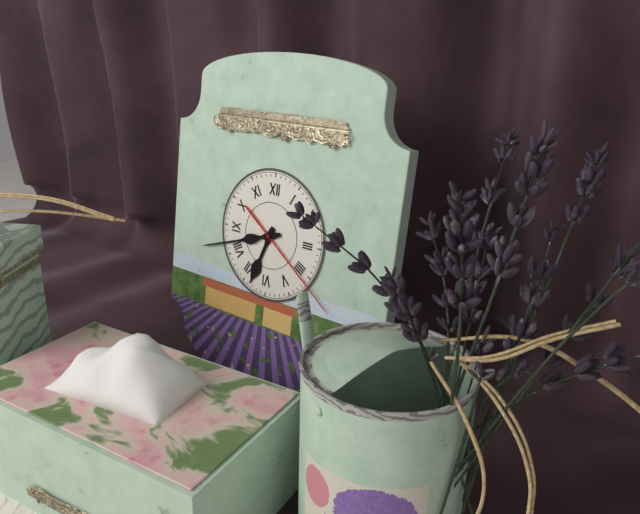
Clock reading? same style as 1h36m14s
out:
6h42m21s
